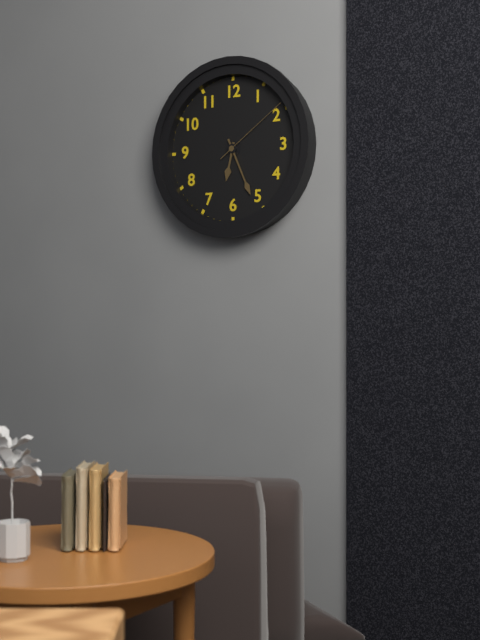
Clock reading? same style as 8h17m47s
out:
6h26m09s
